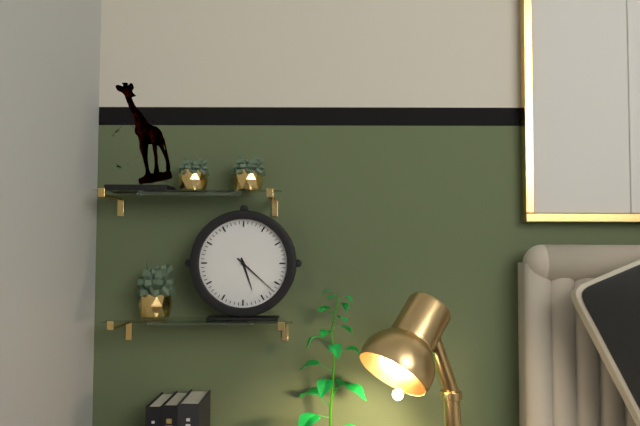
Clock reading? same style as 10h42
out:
5h22
